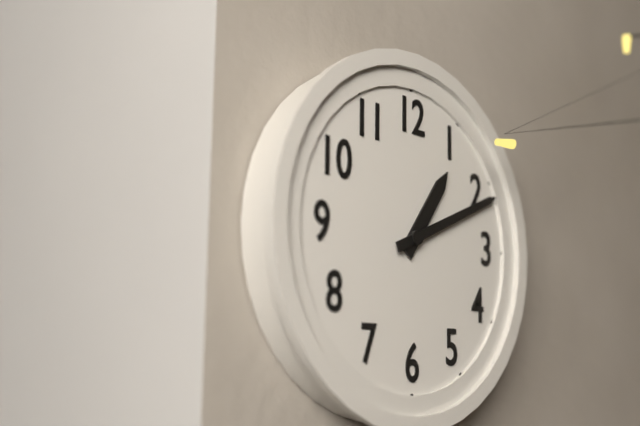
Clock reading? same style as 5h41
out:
1h11
